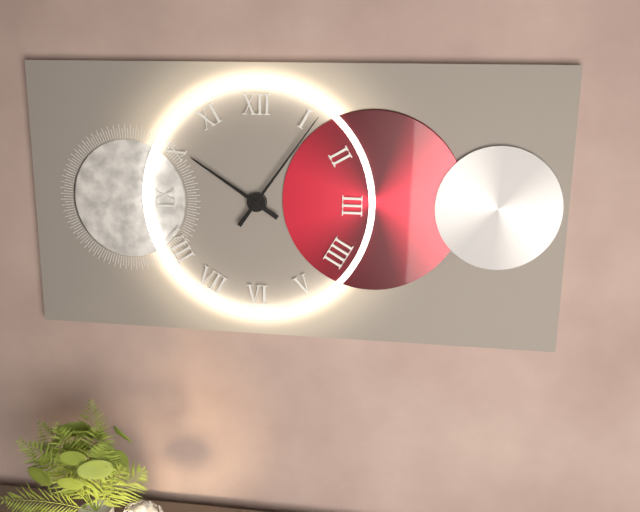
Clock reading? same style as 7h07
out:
10h06
